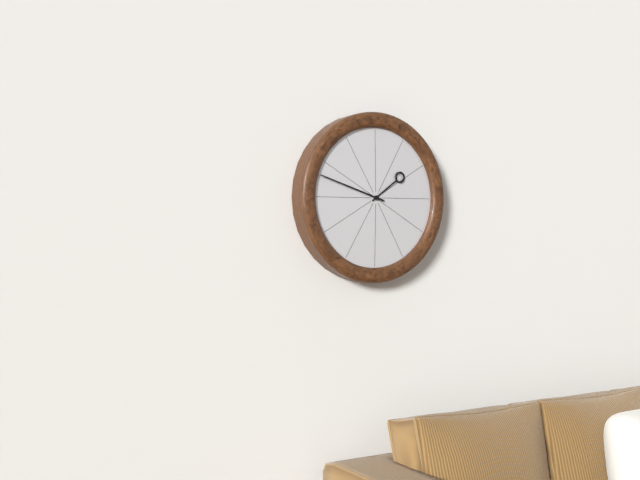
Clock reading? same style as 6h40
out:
1h48
